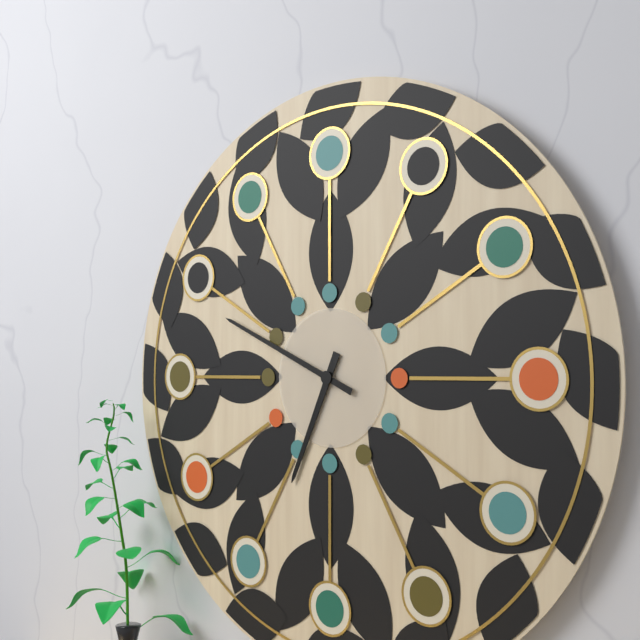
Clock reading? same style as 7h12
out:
6h49
